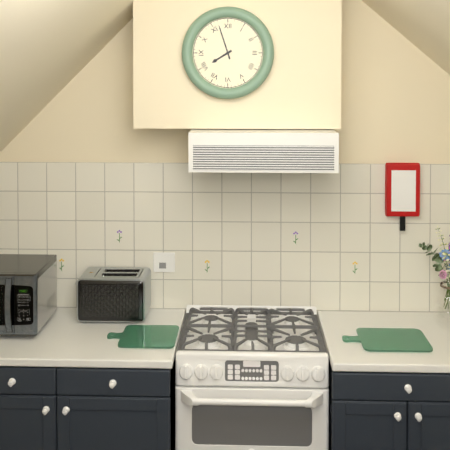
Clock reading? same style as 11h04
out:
7h57
